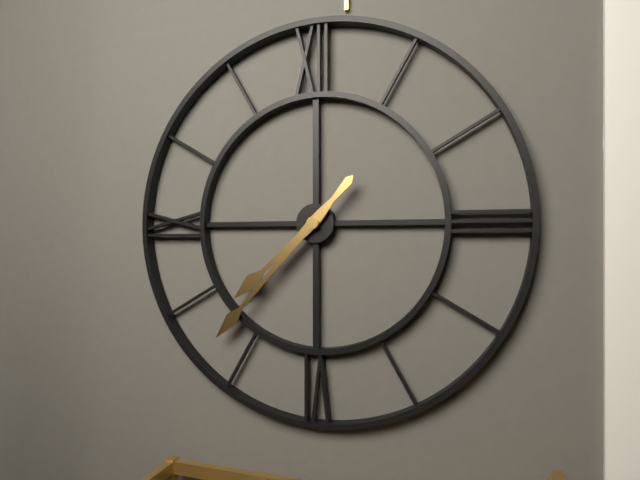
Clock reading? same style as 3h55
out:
7h37
